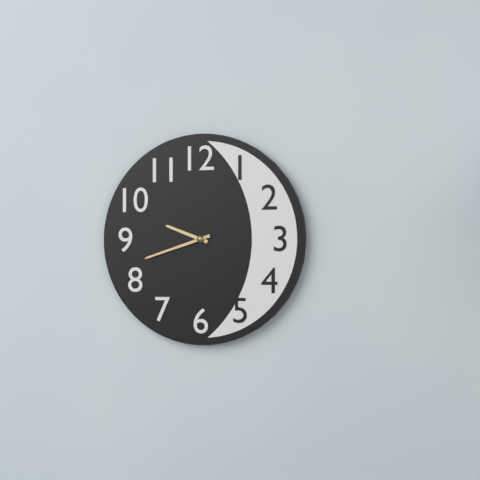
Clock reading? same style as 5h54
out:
9h42
